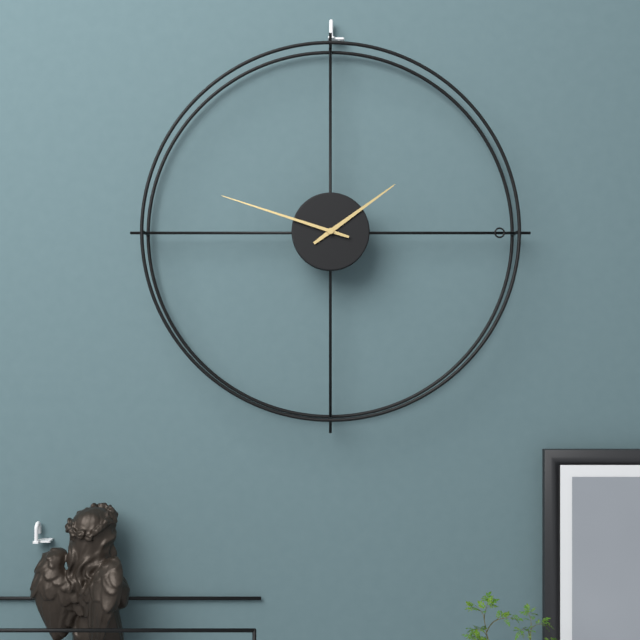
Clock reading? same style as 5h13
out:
1h48
